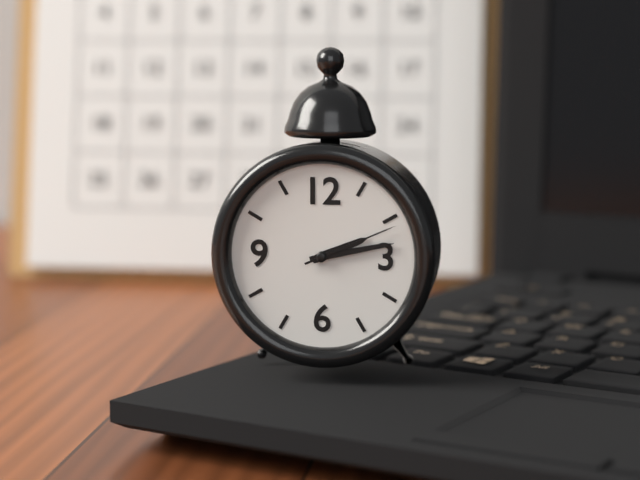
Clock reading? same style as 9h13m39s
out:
2h13m11s
